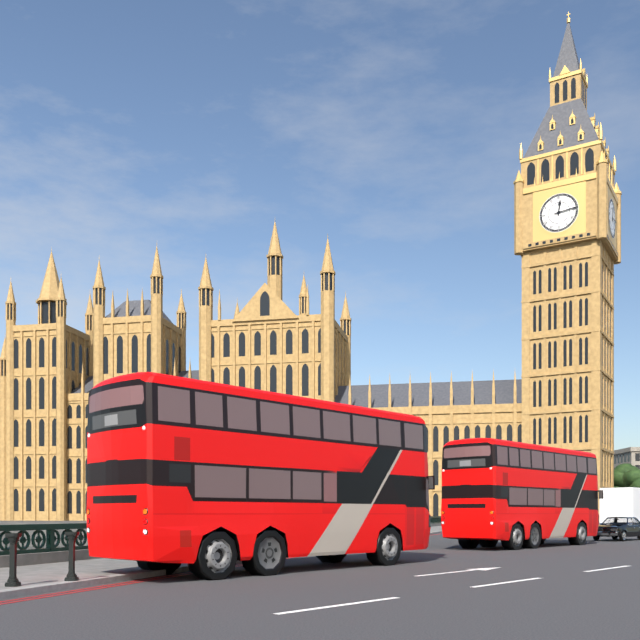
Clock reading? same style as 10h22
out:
12h14
